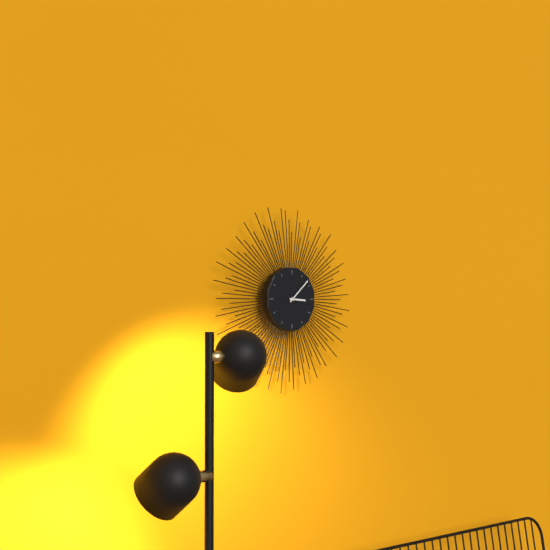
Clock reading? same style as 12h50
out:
3h08
